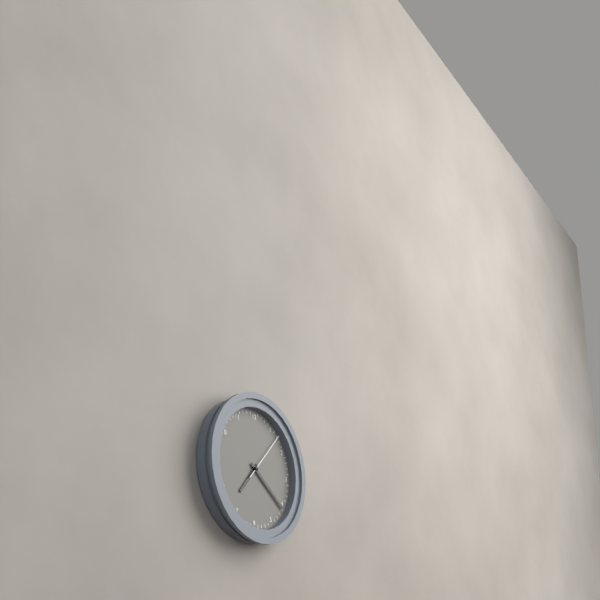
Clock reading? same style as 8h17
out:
7h21
